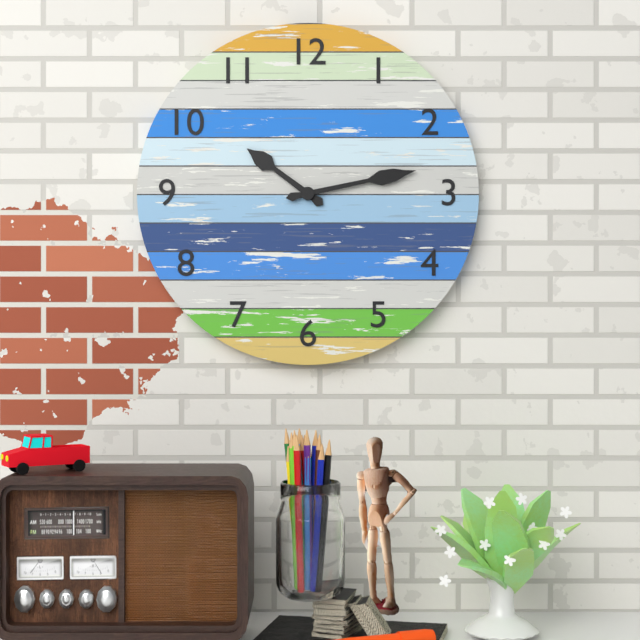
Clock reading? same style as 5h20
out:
10h13
